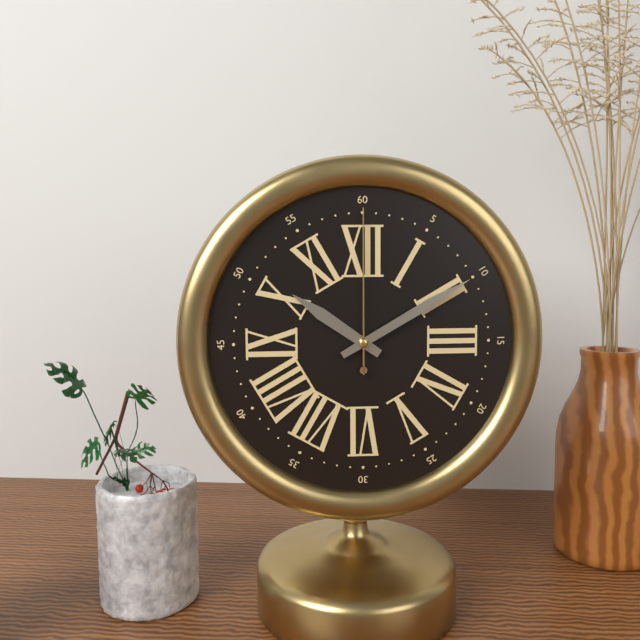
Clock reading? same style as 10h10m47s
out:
10h10m00s
